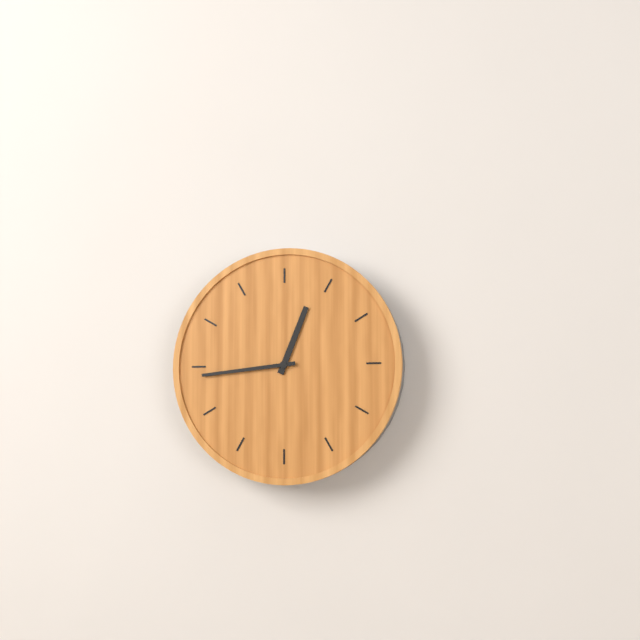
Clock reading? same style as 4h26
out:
12h44
